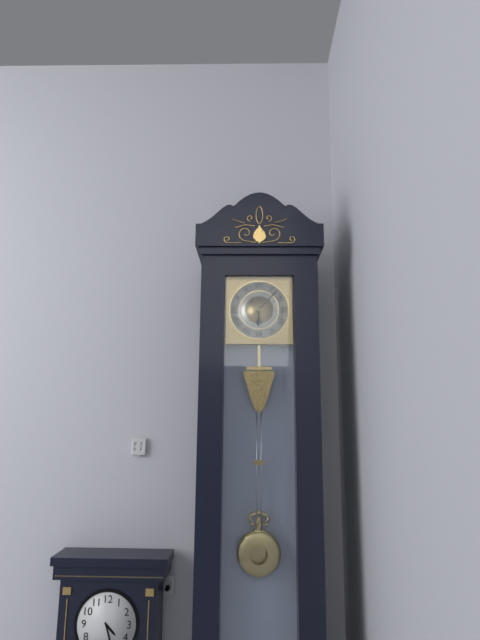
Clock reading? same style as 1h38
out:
6h07
